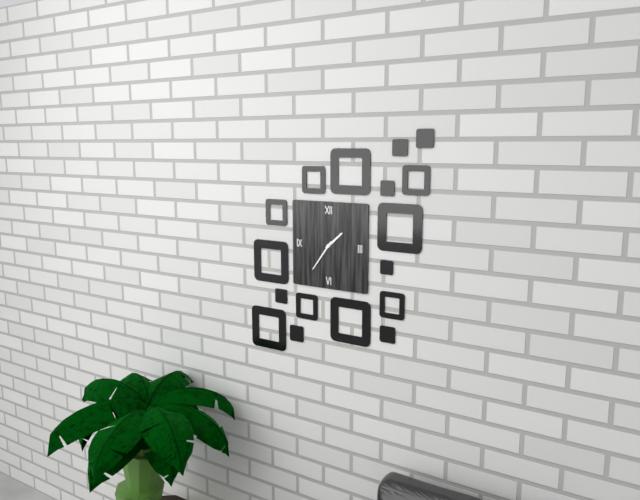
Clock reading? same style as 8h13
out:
1h36
